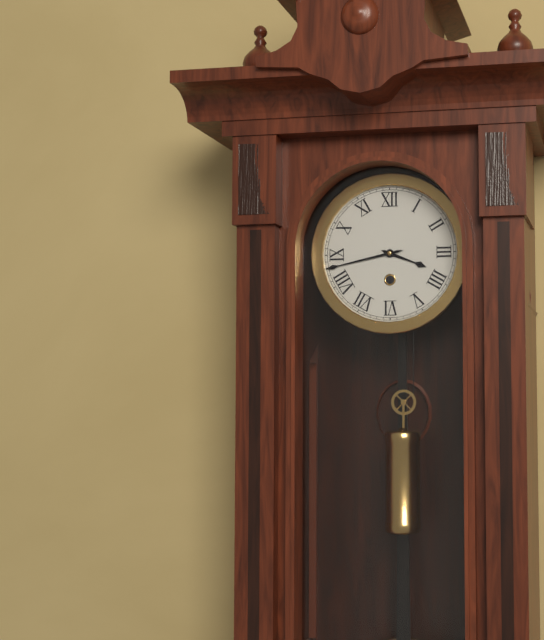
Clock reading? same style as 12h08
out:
3h43
